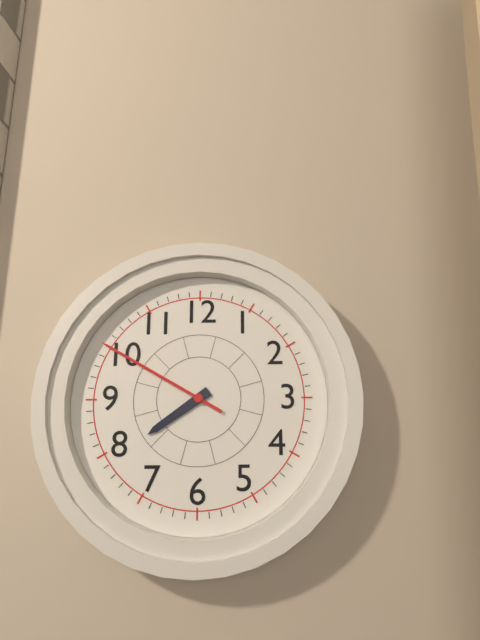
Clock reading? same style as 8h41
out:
7h50
